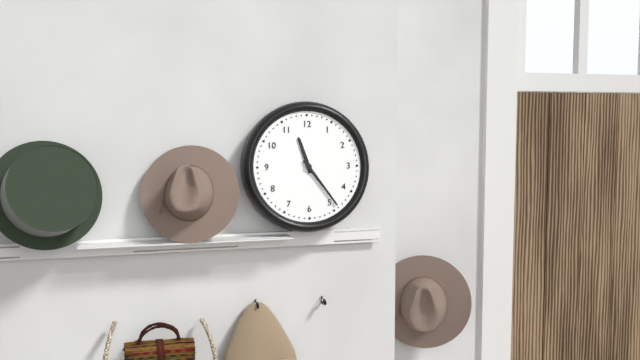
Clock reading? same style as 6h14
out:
11h24
